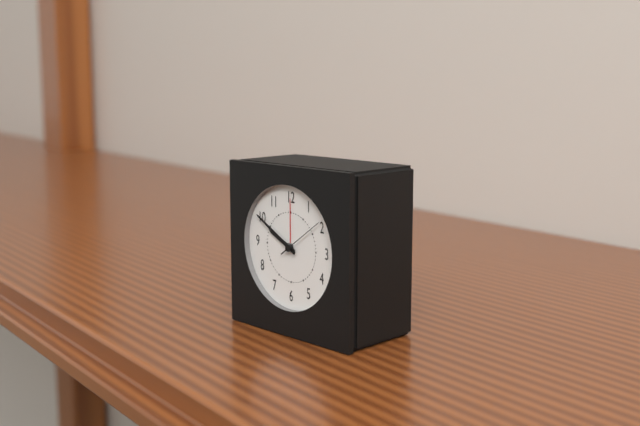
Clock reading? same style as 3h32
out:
9h50
